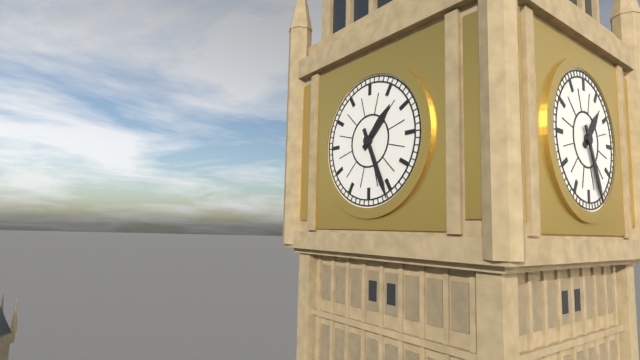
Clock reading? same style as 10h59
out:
1h26
